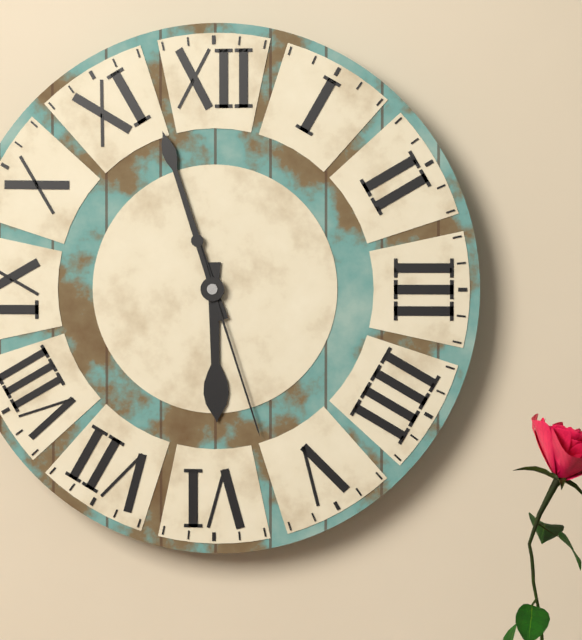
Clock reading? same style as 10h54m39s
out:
5h57m27s
